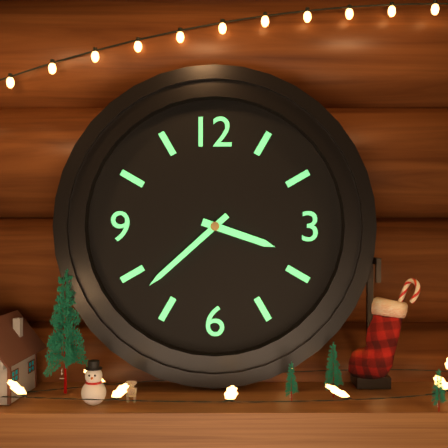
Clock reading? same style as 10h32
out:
3h38
